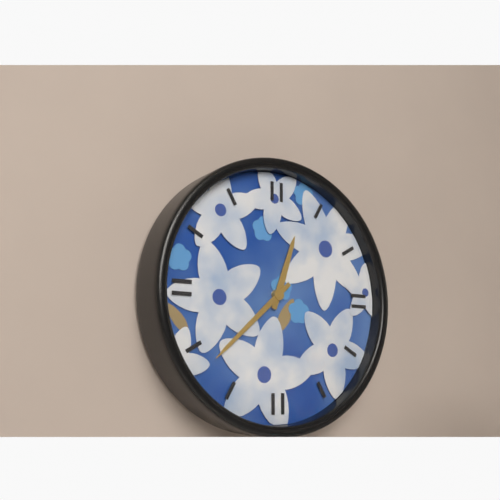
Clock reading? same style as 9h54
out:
12h38
